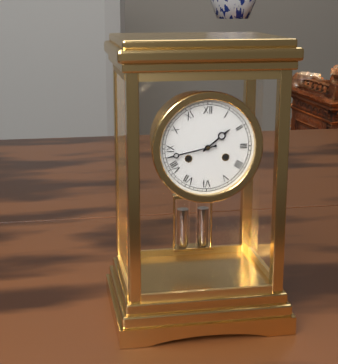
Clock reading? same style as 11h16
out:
1h43
